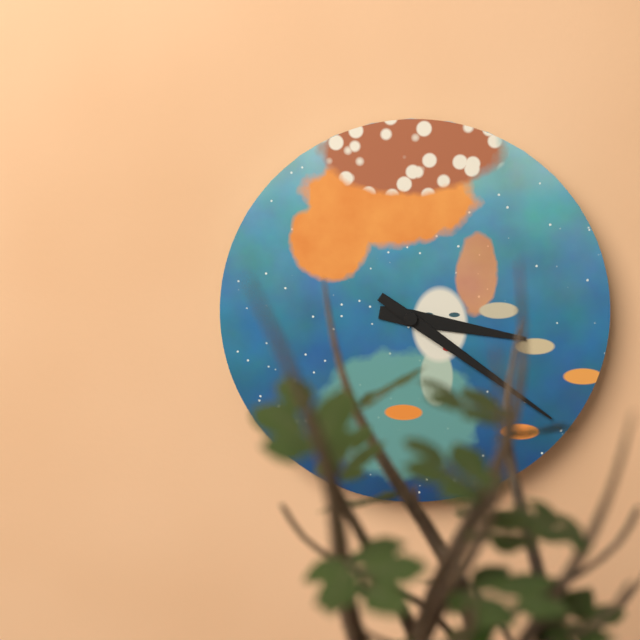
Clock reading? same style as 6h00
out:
3h21
